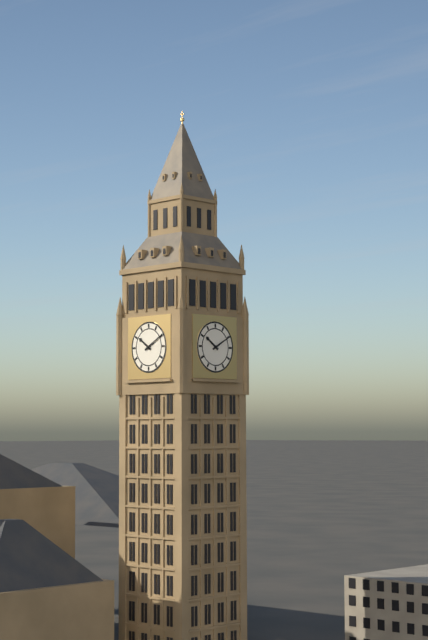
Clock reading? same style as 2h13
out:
10h10
